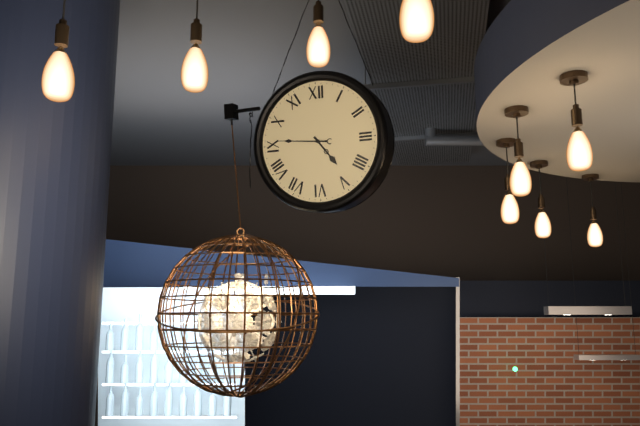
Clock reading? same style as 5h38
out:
4h46
